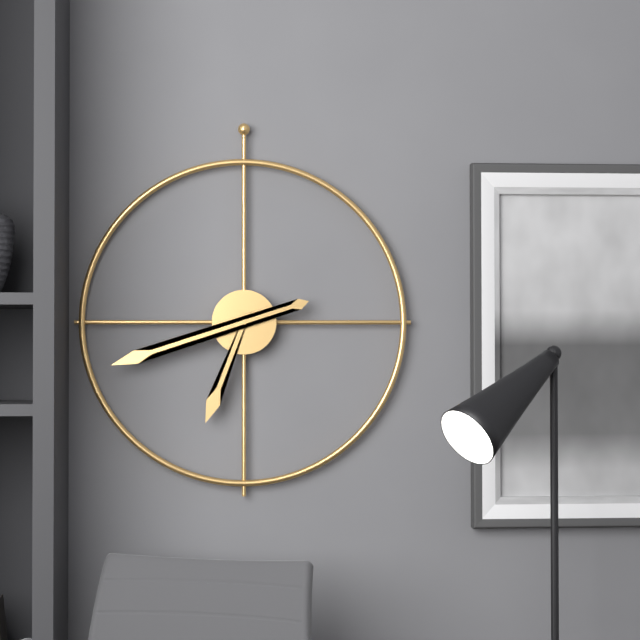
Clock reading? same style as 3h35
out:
6h42
